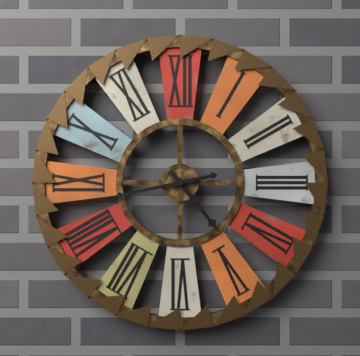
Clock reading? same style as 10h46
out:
4h43
